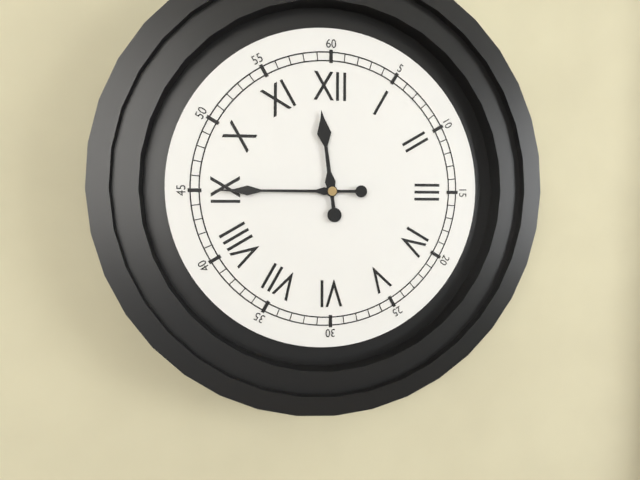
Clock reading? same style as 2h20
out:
11h45
